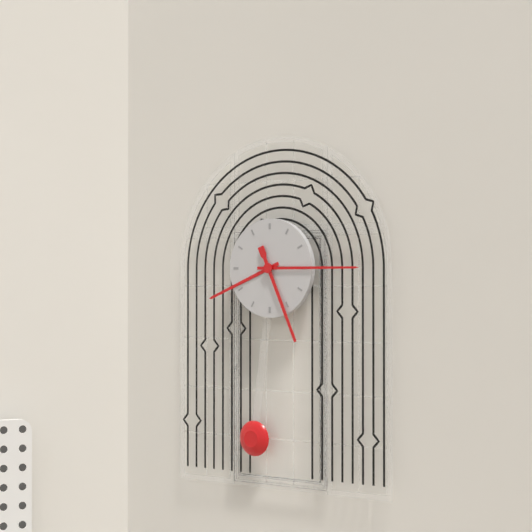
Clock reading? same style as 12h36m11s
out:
8h15m26s
